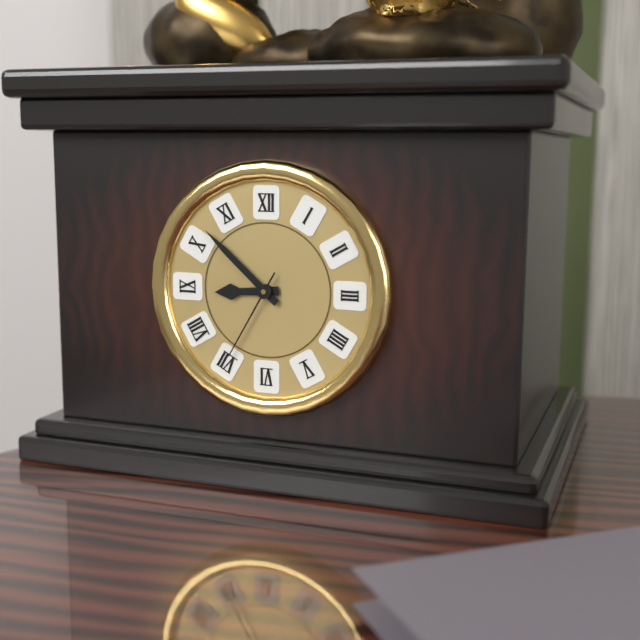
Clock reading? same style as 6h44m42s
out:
8h52m35s
